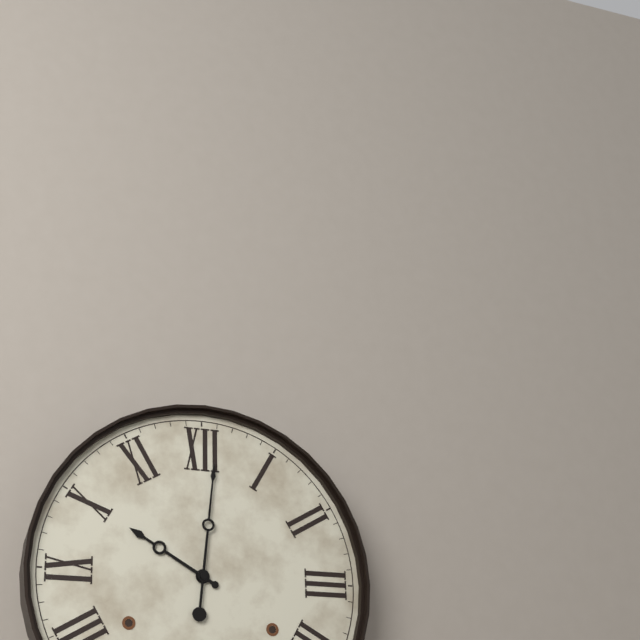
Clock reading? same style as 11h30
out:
10h01
